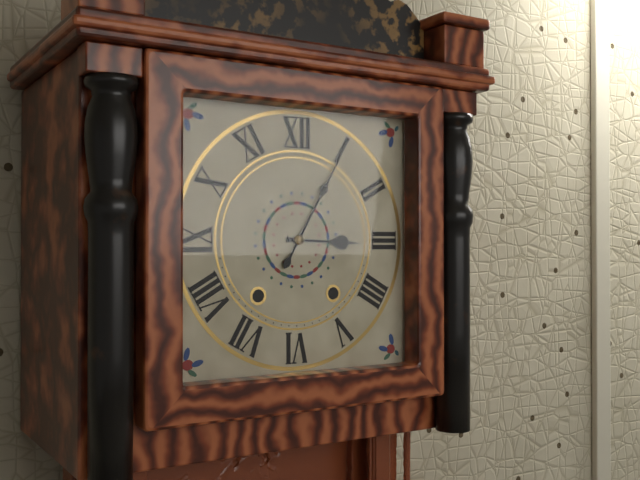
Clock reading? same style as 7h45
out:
3h05
